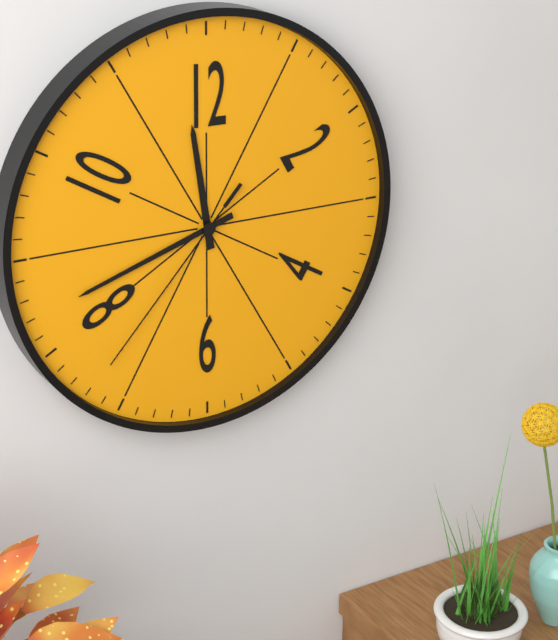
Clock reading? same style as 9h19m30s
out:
11h42m37s
